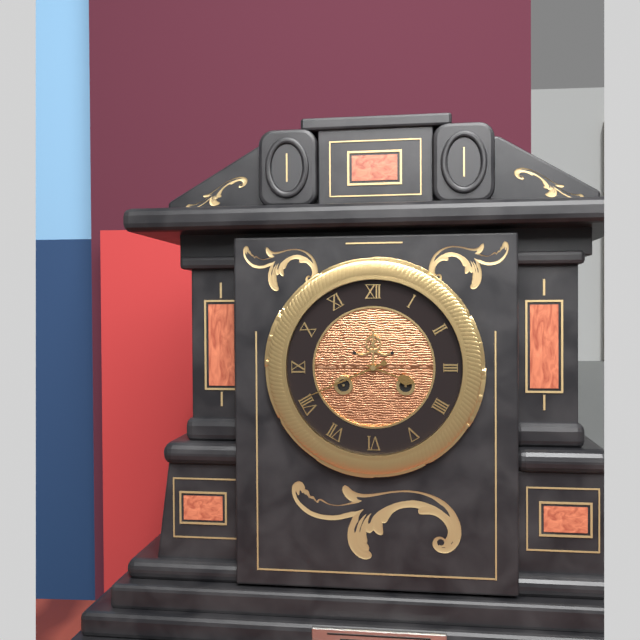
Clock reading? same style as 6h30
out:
3h41
